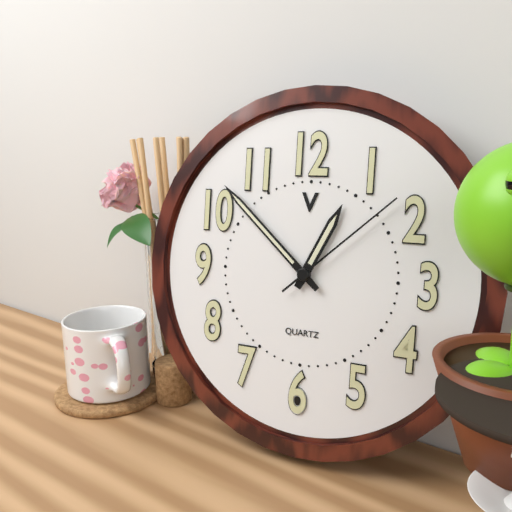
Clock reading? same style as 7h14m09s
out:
12h52m08s
